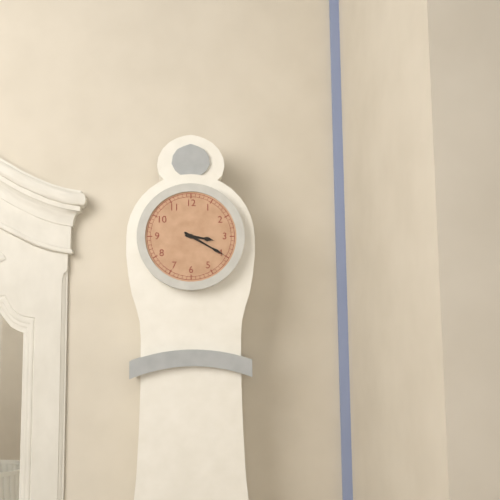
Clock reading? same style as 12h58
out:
3h20
